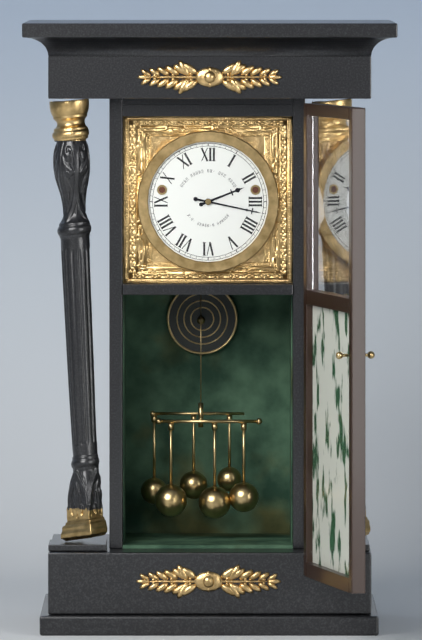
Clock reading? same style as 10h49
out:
2h17
